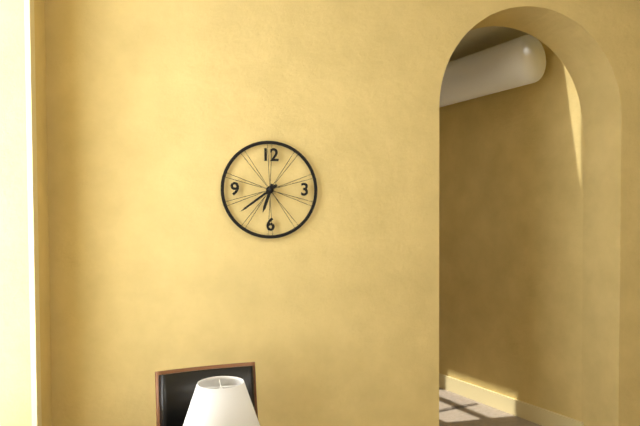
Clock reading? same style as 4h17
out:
6h39
